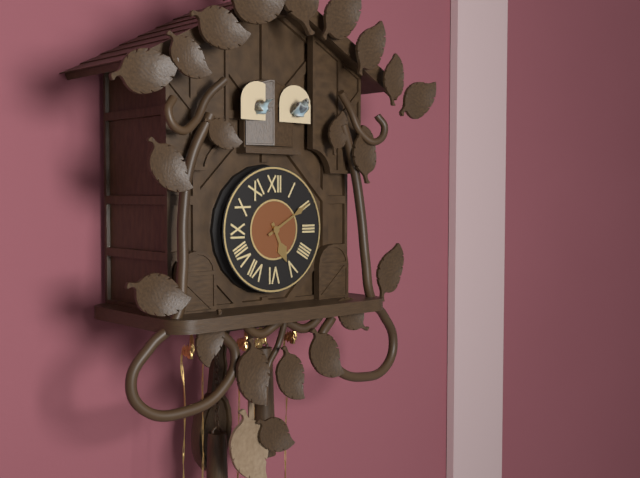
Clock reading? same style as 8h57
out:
5h10
